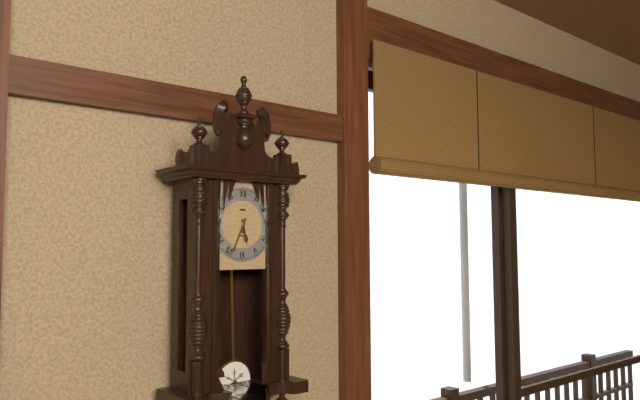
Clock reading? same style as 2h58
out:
5h34
